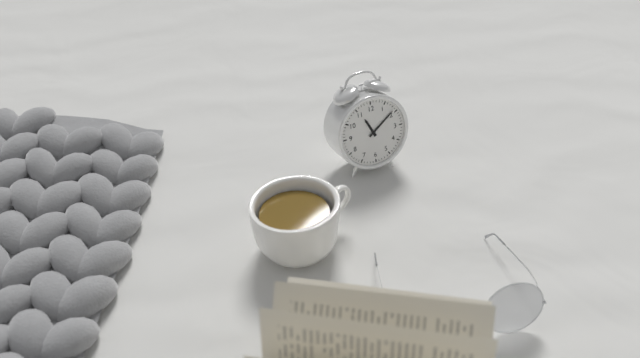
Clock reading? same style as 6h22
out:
11h09
